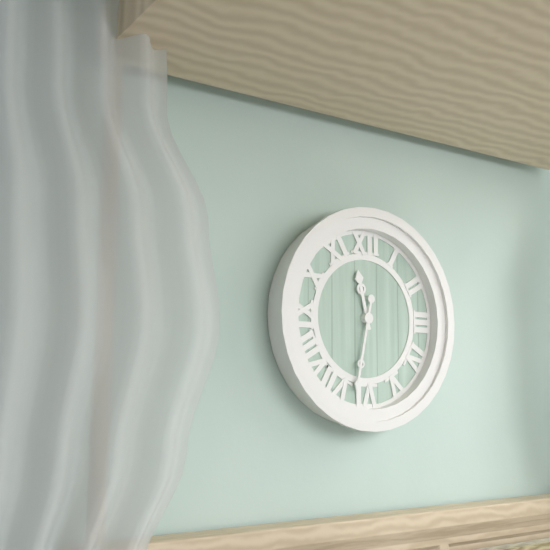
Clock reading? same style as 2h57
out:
11h32
